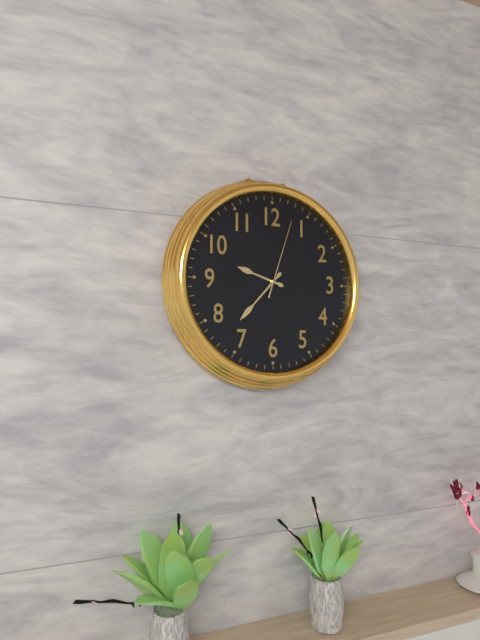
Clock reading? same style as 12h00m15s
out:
9h37m03s
